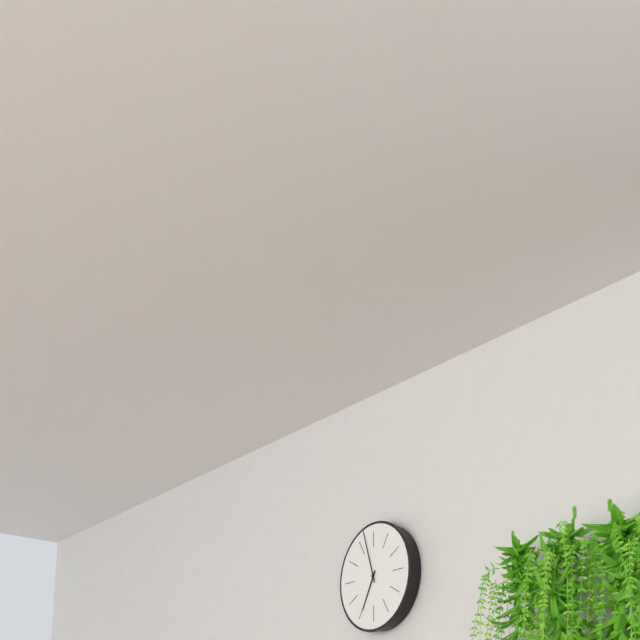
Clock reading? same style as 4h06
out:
6h57
